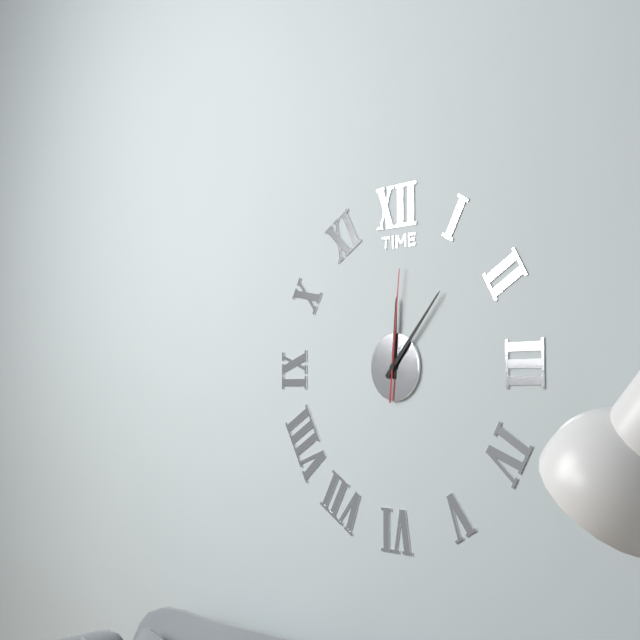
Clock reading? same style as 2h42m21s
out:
12h07m01s
